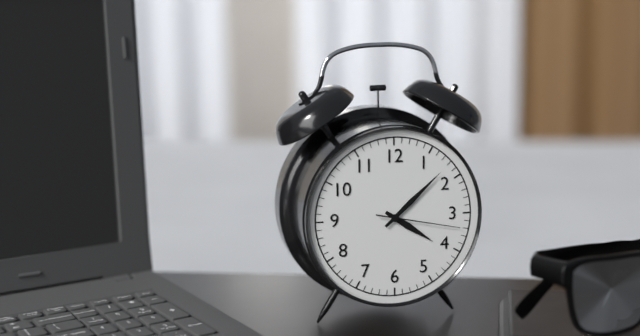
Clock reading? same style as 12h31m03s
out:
4h08m17s
